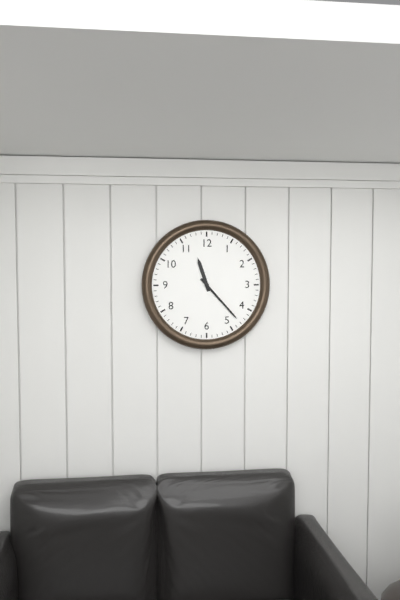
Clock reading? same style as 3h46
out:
11h23
